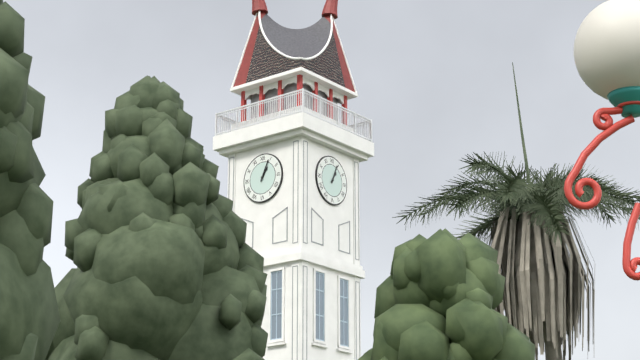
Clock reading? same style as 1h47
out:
1h04
